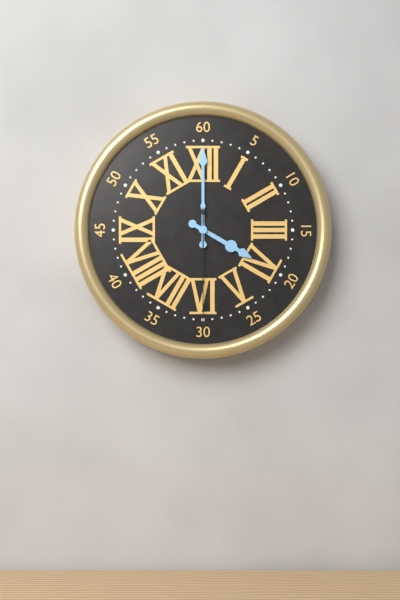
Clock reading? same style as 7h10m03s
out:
4h00m30s
